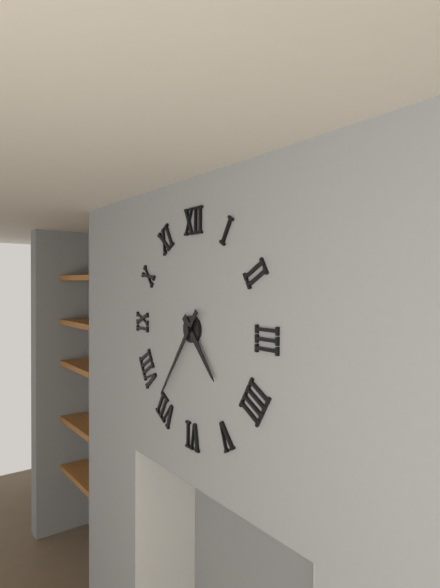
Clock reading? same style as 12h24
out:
4h36
